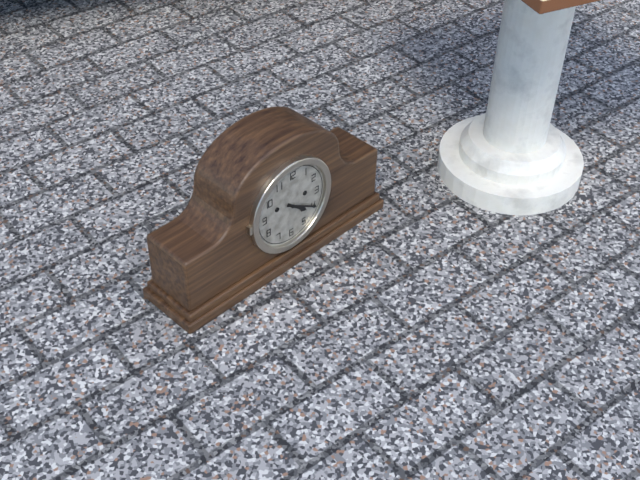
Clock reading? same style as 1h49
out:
4h20
